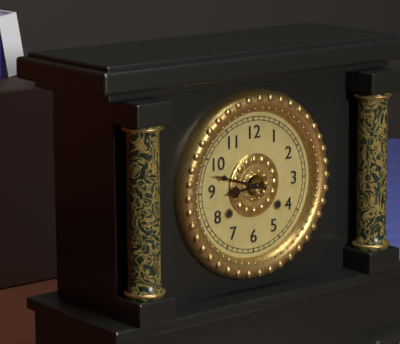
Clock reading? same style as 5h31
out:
8h48
